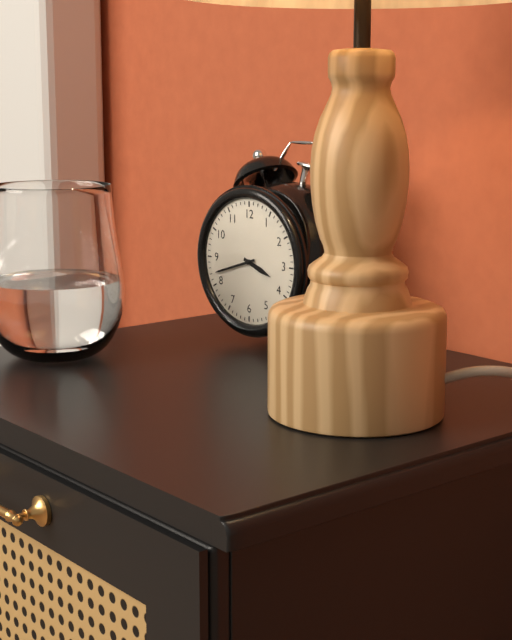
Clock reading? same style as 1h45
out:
3h42
